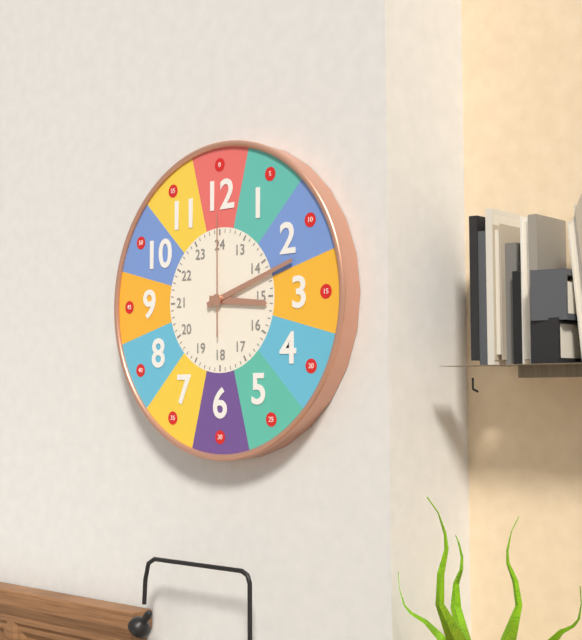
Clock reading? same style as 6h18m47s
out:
3h12m00s
